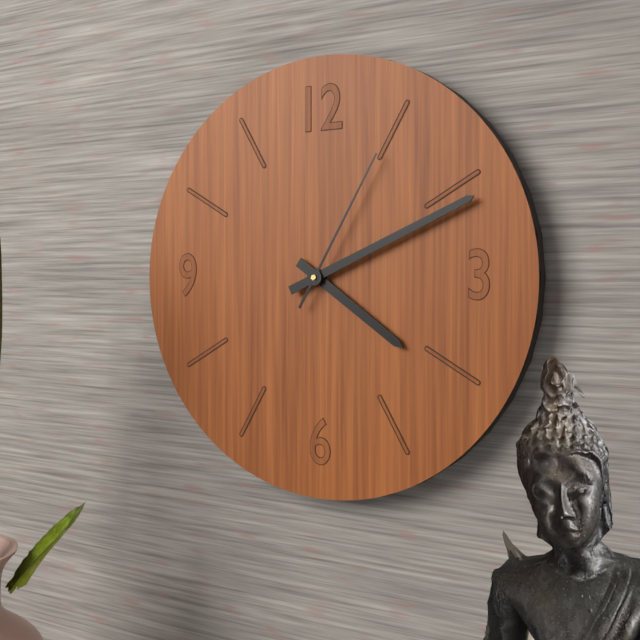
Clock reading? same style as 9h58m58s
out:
4h11m05s
